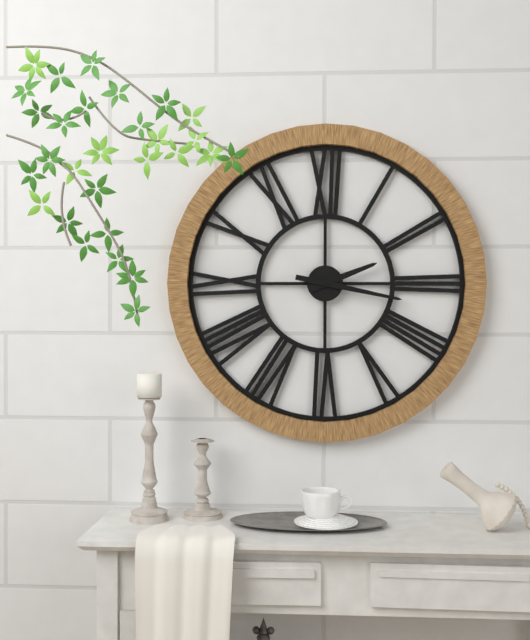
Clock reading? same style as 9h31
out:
2h17
